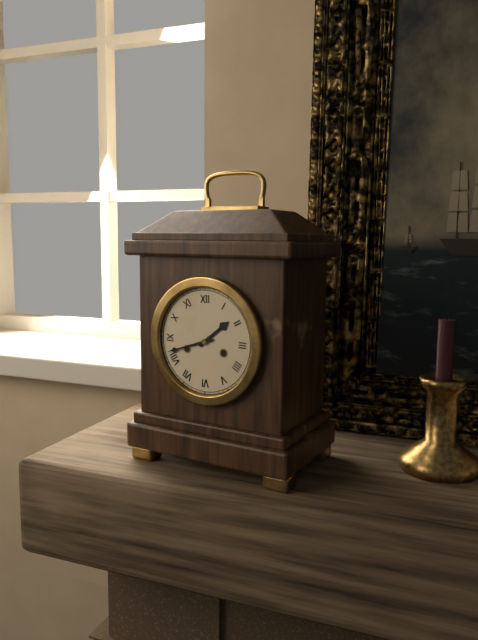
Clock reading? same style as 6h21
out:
1h42
